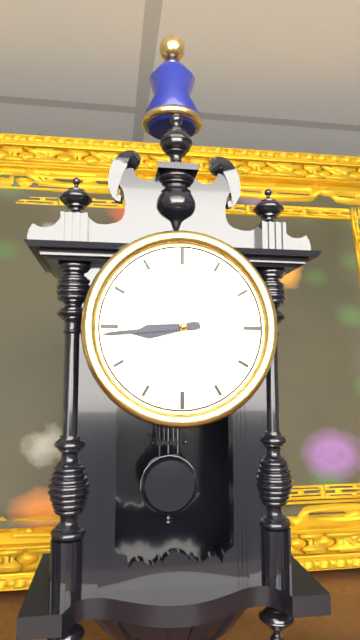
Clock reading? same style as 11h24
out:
8h44
